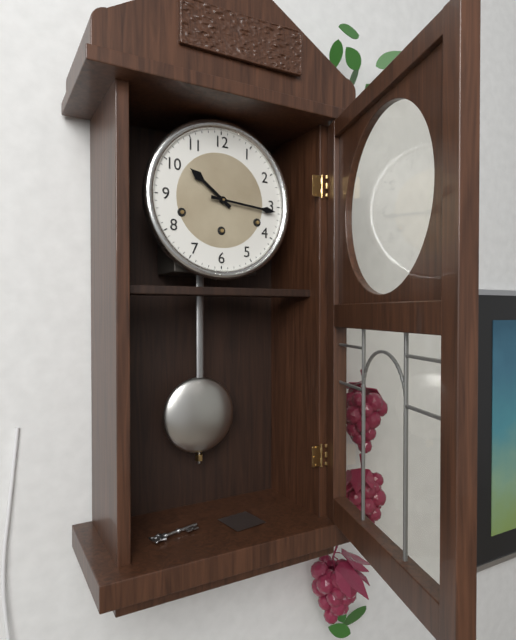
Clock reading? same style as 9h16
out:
10h16
